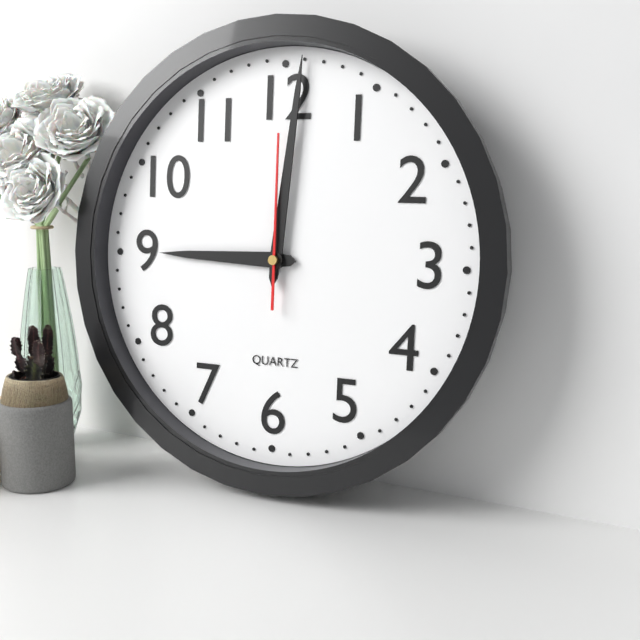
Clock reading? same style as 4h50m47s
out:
9h01m00s
